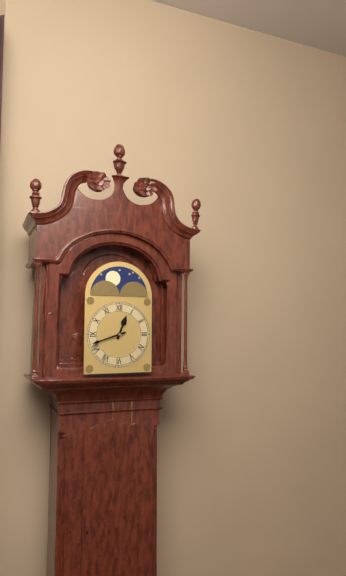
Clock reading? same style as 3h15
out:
12h42
